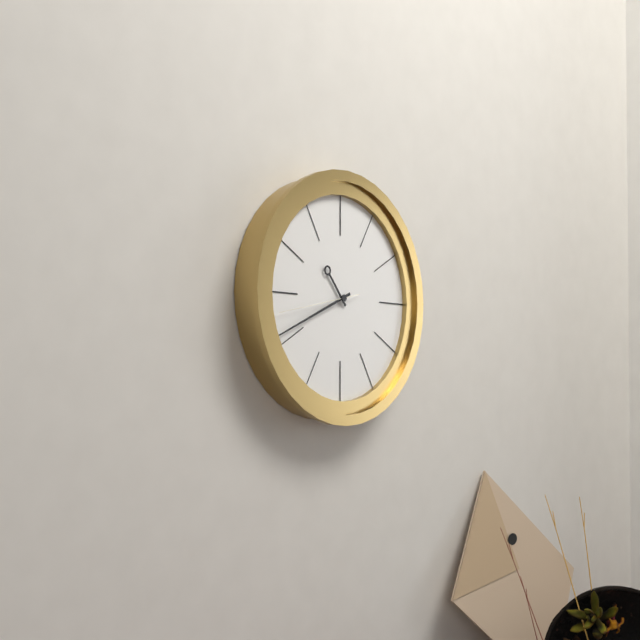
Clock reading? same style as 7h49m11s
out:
10h41m43s
